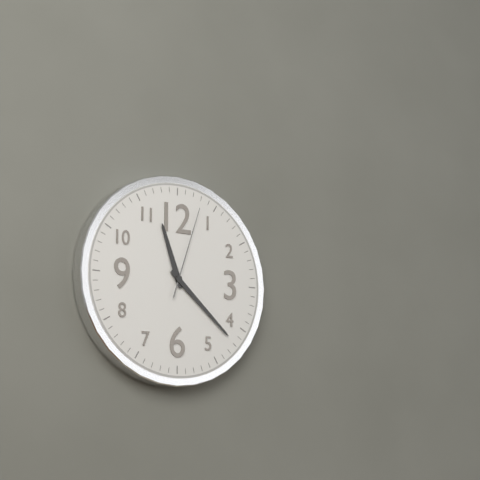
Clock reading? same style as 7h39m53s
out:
11h22m03s
